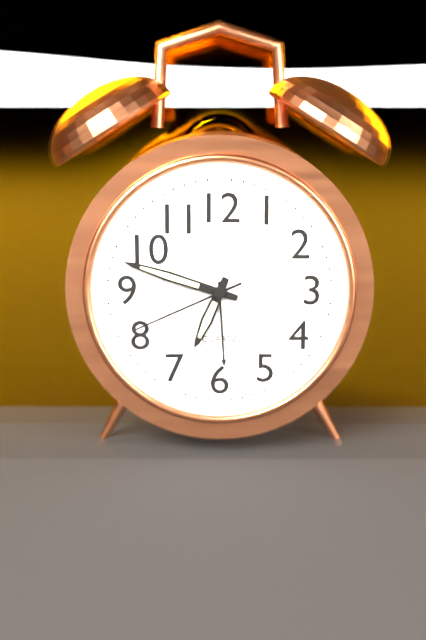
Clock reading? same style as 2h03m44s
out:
6h48m41s
